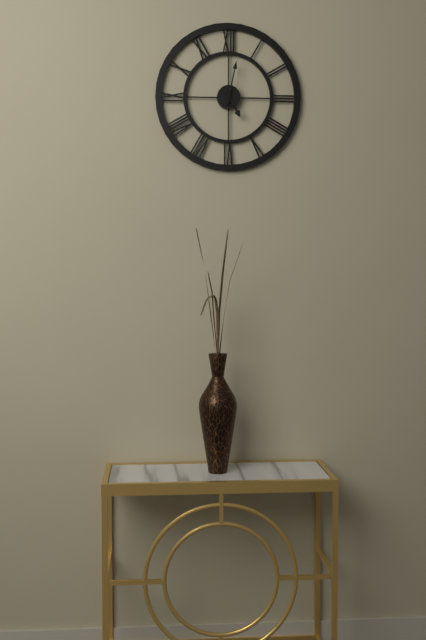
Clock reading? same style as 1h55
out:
5h02
